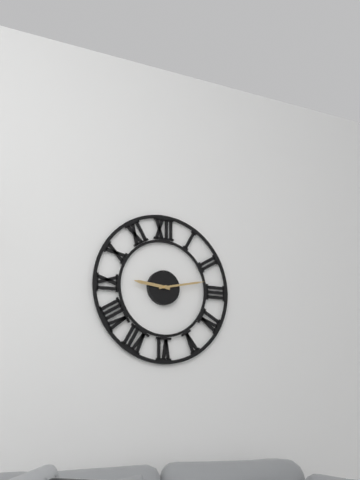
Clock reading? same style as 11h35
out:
9h13
